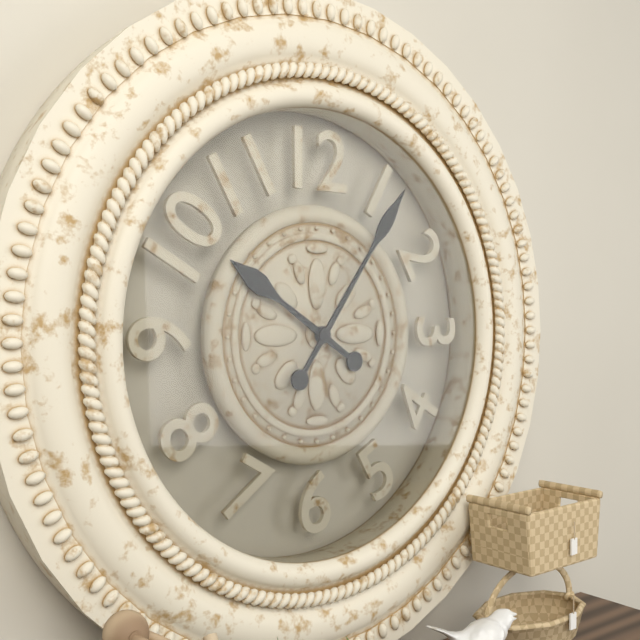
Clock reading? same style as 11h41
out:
10h06
